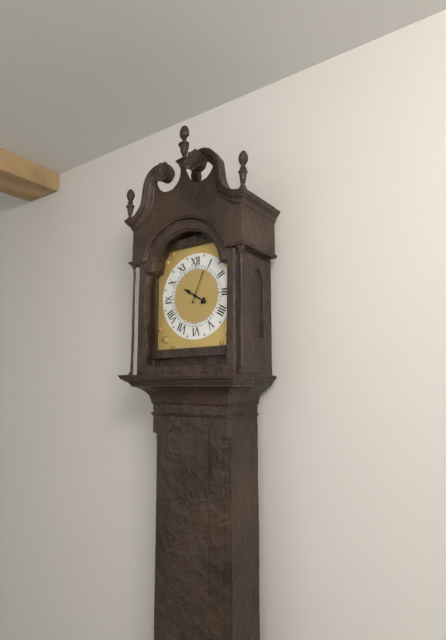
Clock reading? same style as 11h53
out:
10h04
